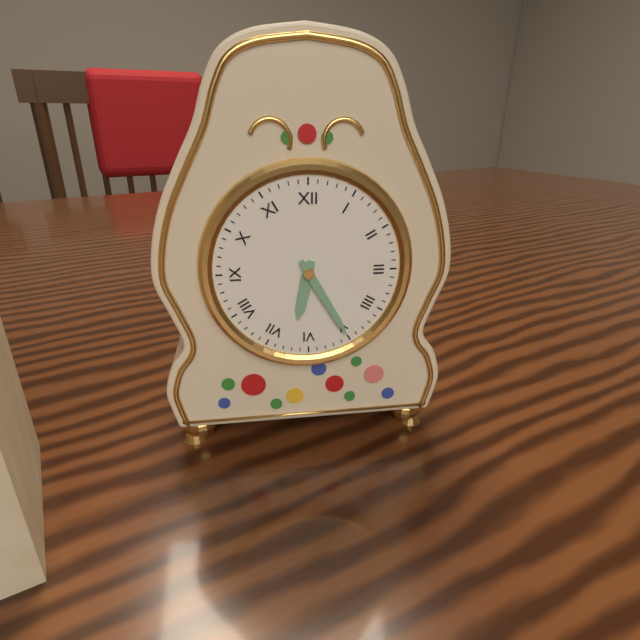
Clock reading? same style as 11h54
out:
6h25
